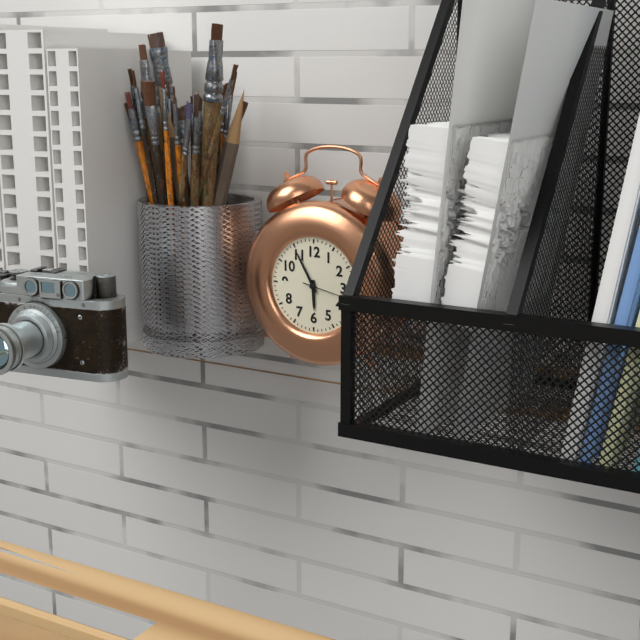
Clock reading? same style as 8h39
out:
5h55
